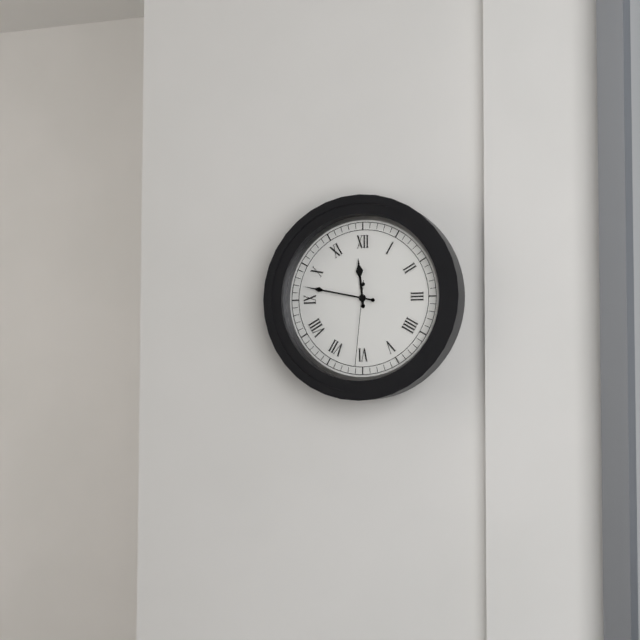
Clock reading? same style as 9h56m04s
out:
11h47m31s
